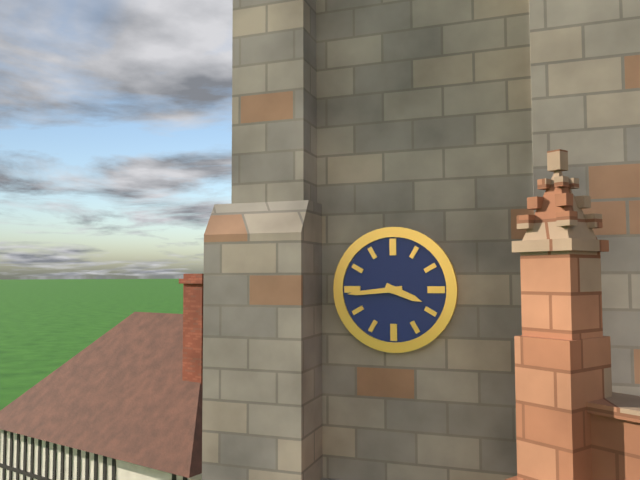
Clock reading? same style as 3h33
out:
3h44
